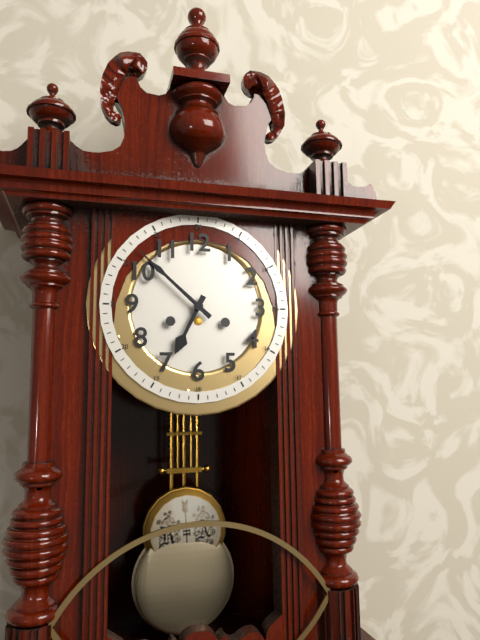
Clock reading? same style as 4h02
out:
6h52
